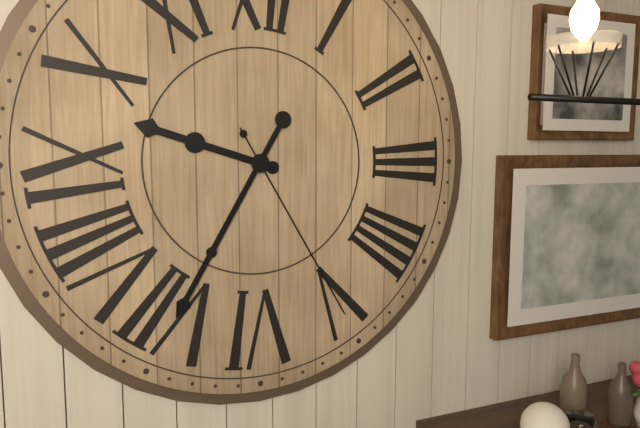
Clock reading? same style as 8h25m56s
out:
9h35m25s
